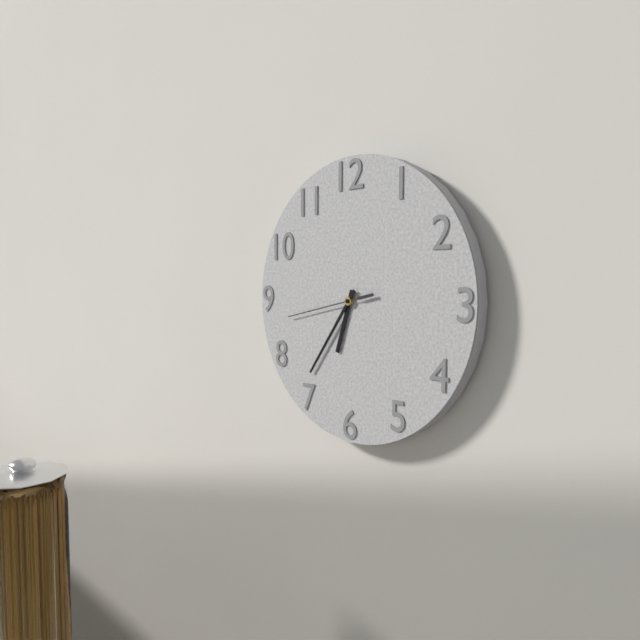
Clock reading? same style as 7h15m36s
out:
6h36m43s
